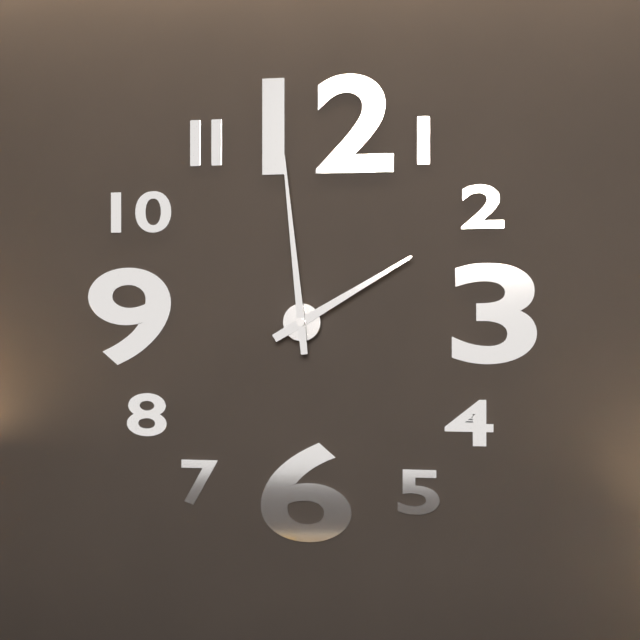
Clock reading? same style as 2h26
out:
1h59
